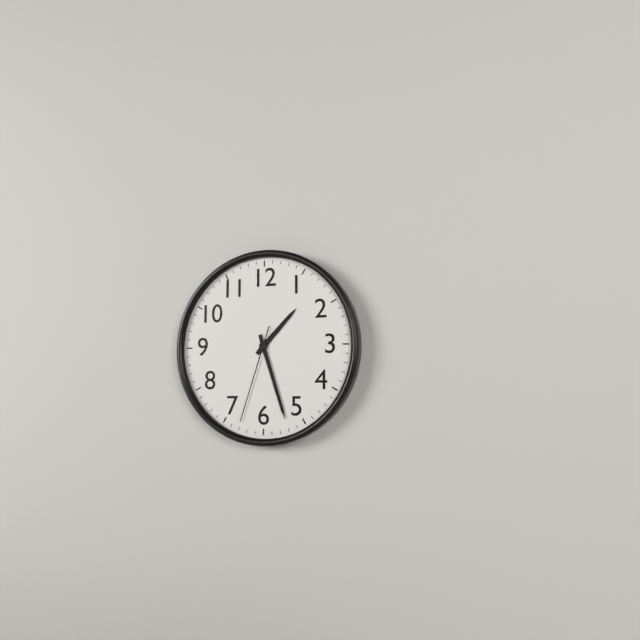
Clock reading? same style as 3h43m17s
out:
1h27m33s
